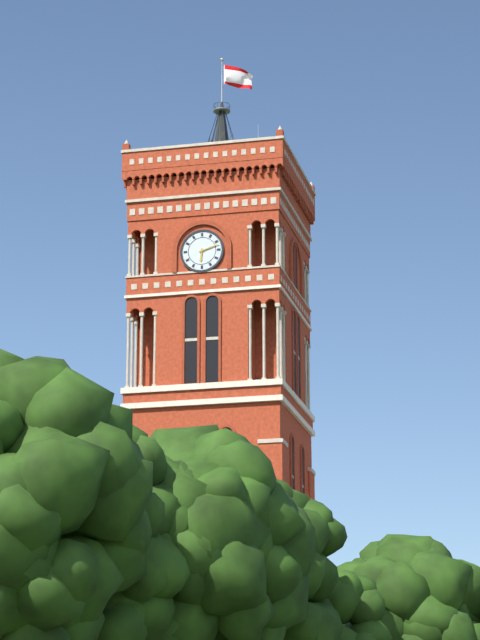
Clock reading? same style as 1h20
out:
6h12
